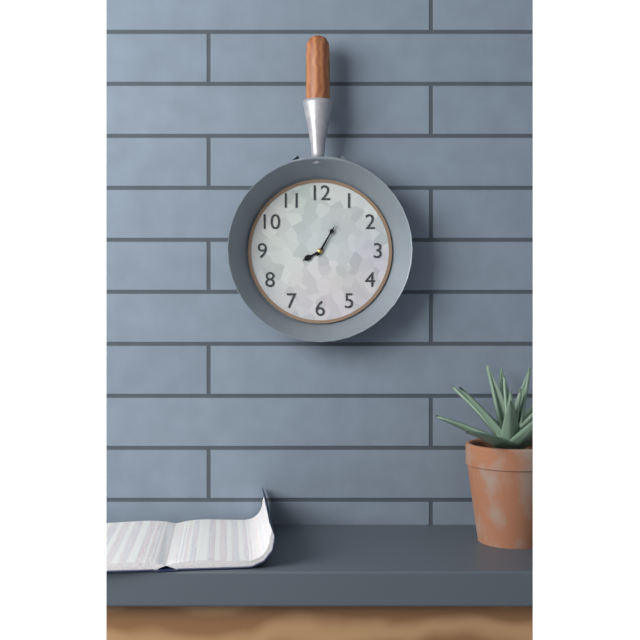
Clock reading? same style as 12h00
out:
8h05
